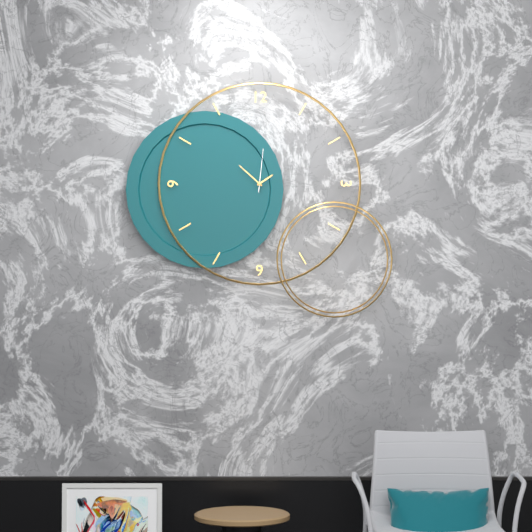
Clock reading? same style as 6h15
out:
1h52
